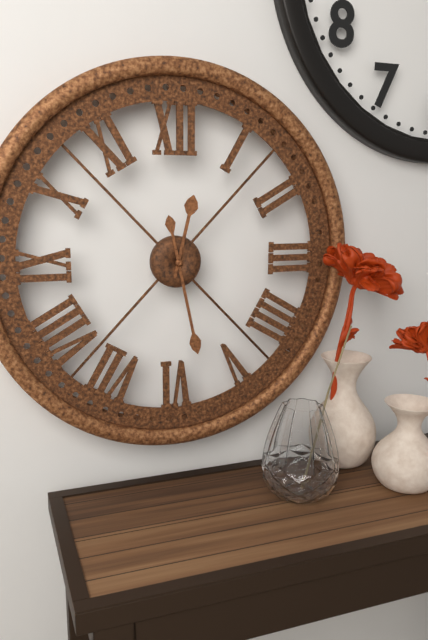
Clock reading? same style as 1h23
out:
12h28
